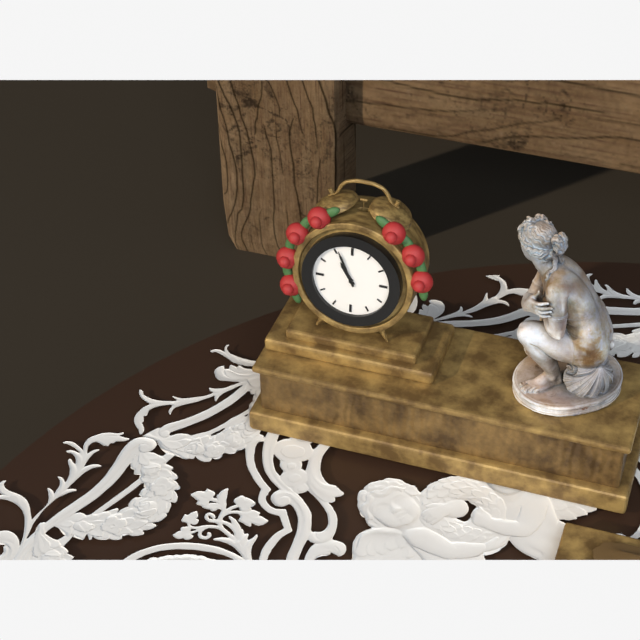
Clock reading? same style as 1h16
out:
10h56
